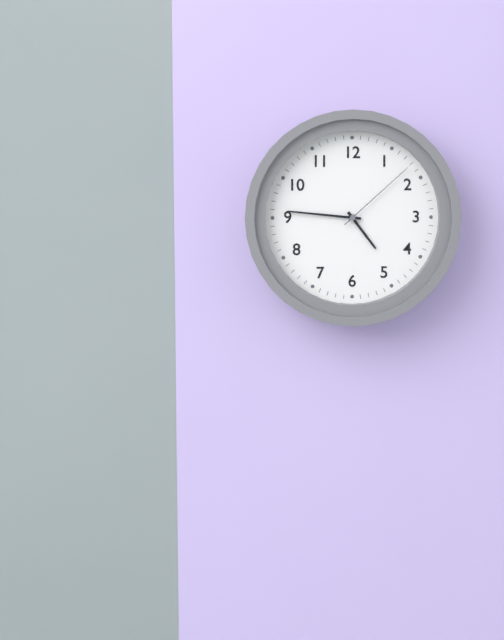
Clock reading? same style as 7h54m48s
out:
4h46m08s
